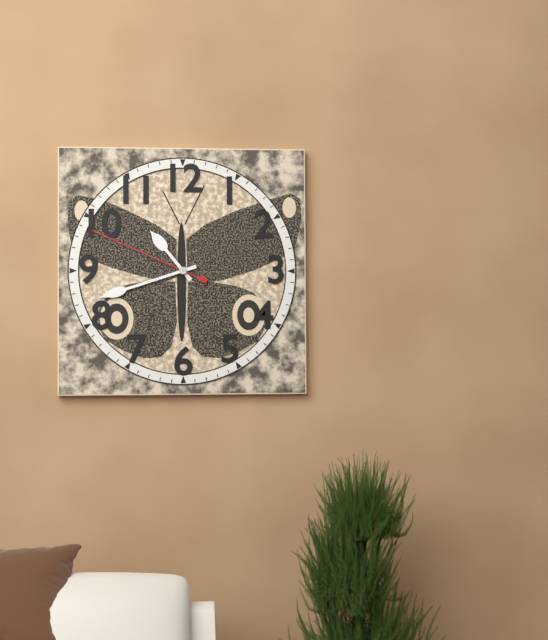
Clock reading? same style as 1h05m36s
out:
10h42m49s
